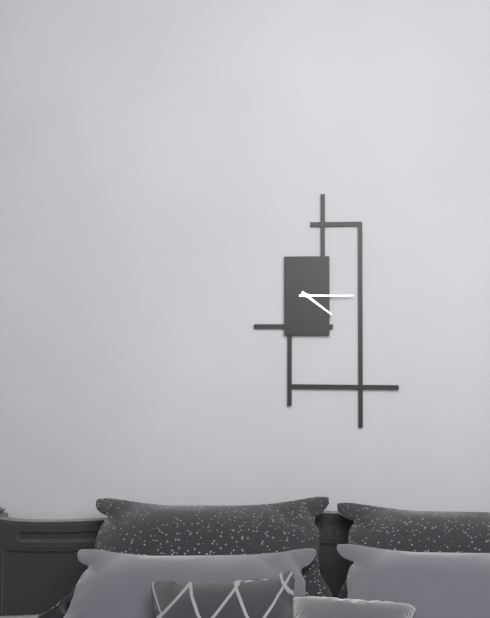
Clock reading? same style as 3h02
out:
4h15
